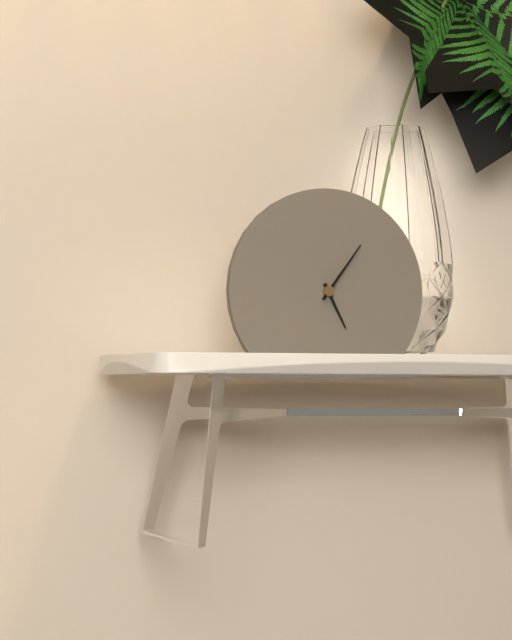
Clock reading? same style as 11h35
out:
5h06
